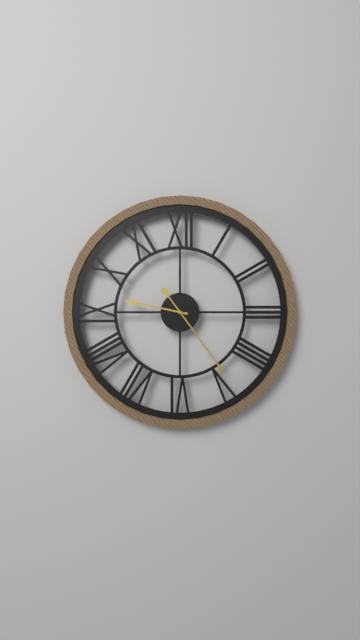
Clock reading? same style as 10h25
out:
9h24
